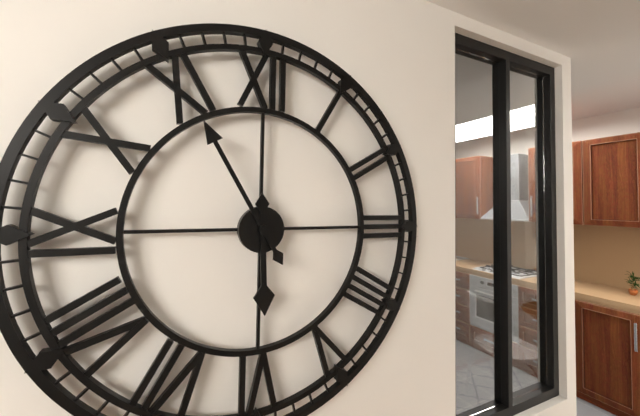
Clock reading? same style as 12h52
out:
5h55
